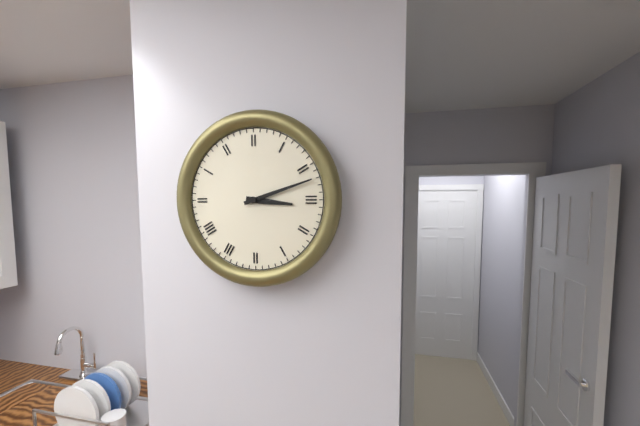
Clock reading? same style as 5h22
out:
3h12
